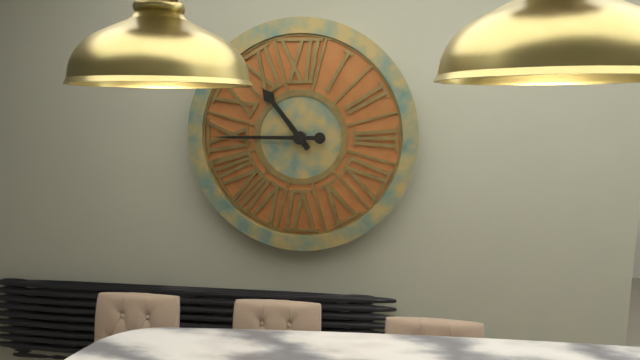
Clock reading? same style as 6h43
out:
10h45
